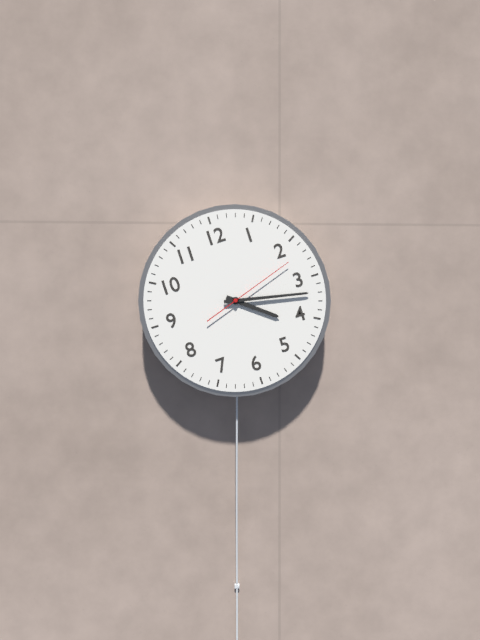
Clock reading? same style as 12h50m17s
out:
4h17m12s
